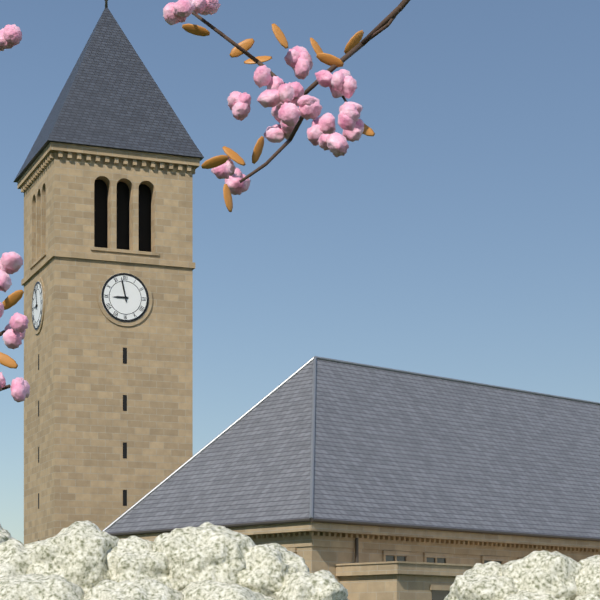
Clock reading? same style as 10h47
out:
8h58
